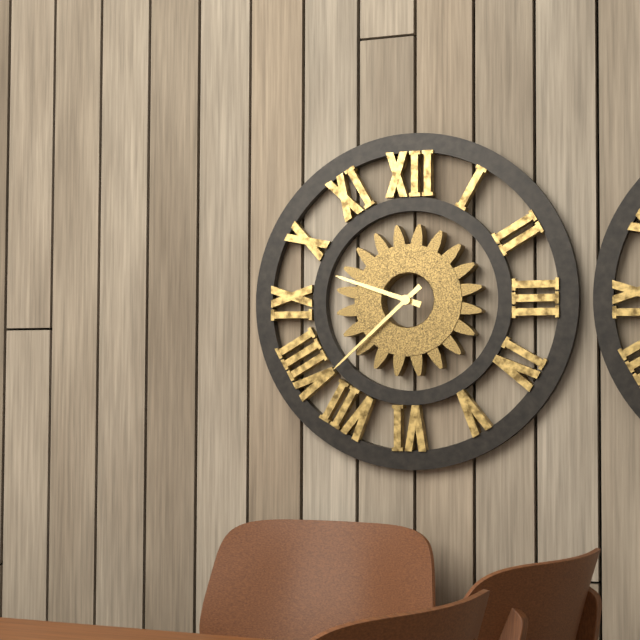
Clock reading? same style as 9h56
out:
9h38
